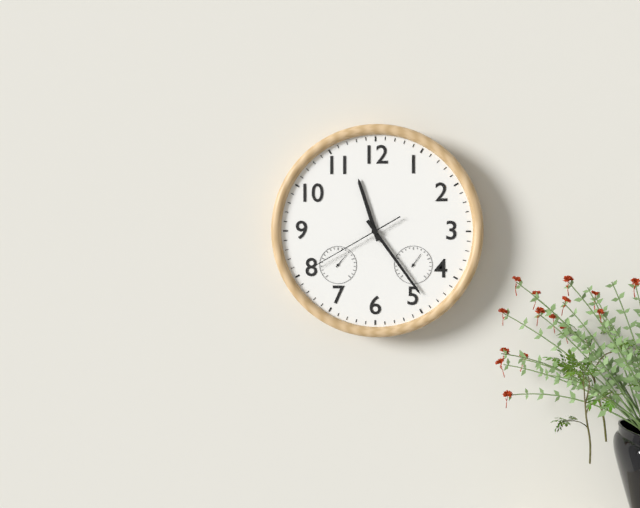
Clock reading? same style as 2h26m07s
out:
11h24m40s
